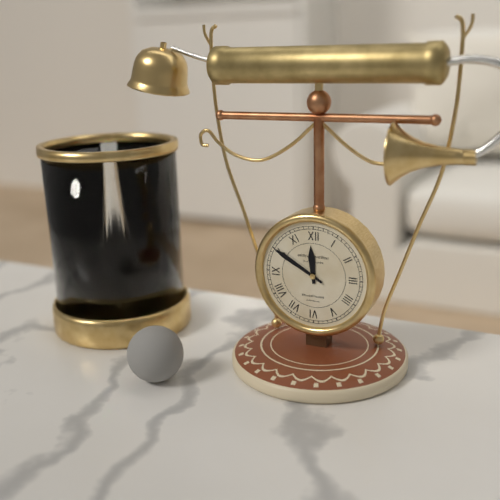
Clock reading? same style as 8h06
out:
11h50
